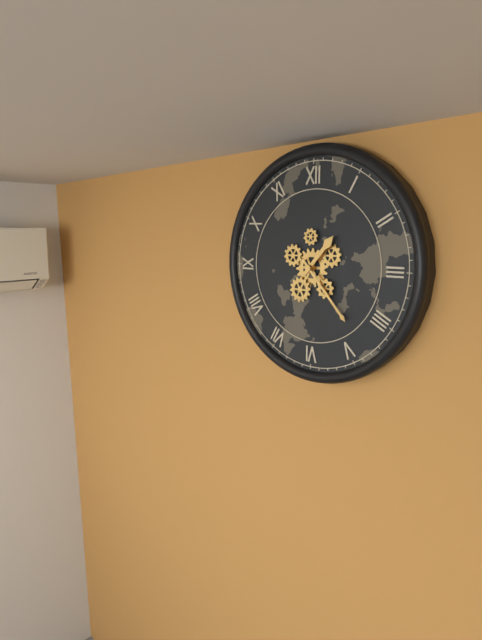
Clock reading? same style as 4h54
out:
1h23
